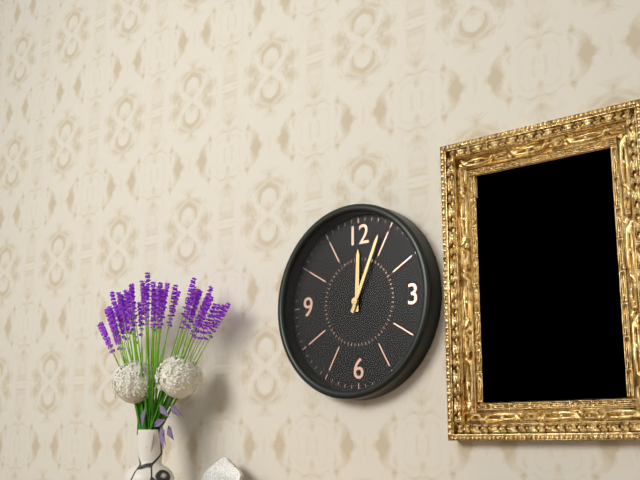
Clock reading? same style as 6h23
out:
12h04
